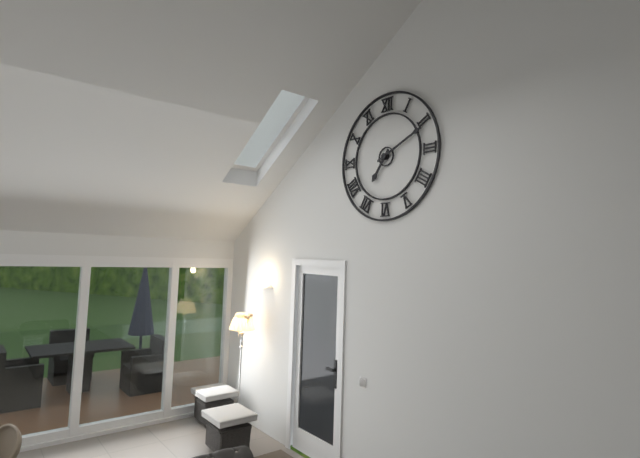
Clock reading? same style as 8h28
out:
7h11
